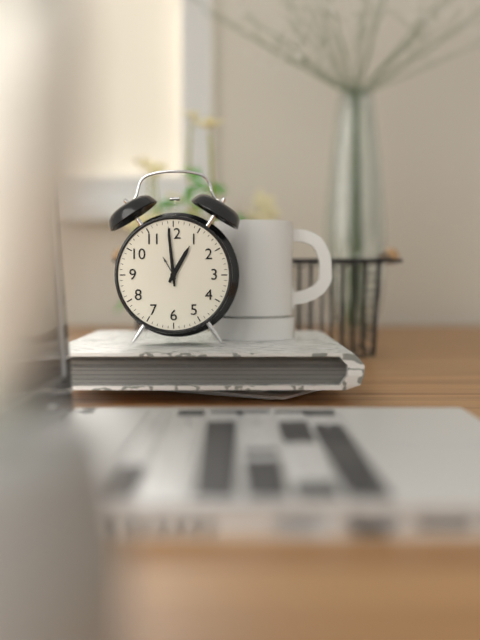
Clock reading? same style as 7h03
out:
12h59
